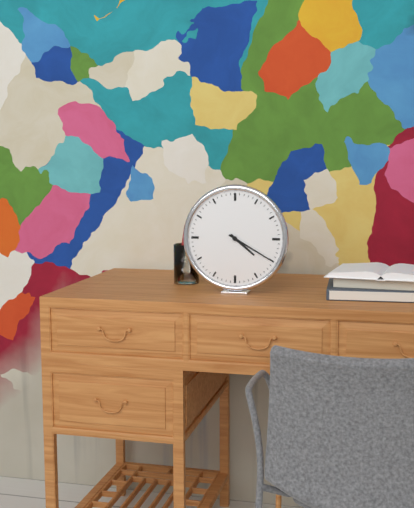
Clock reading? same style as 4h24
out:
4h20
